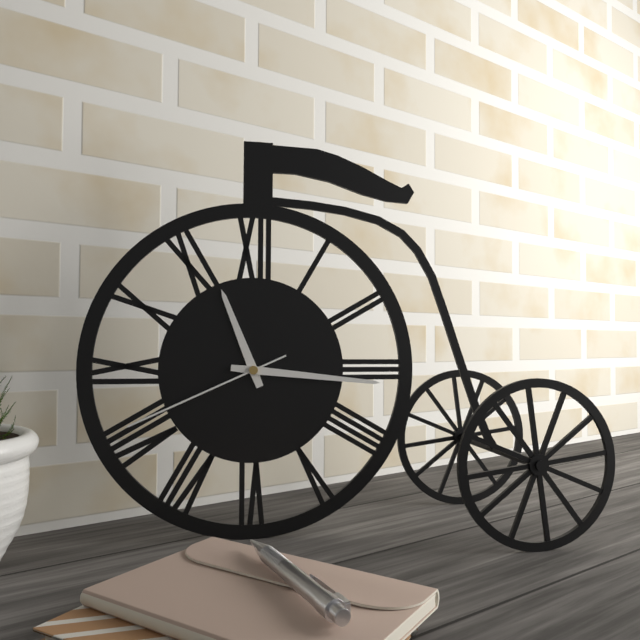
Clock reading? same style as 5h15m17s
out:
11h16m41s
